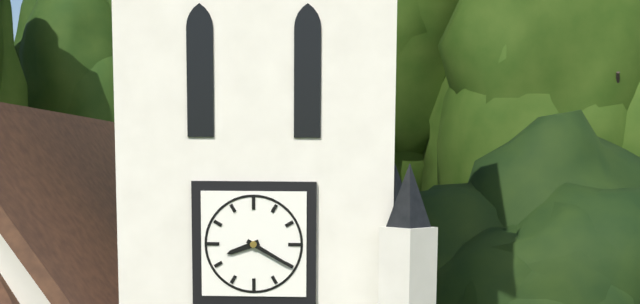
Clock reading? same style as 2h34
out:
8h20
